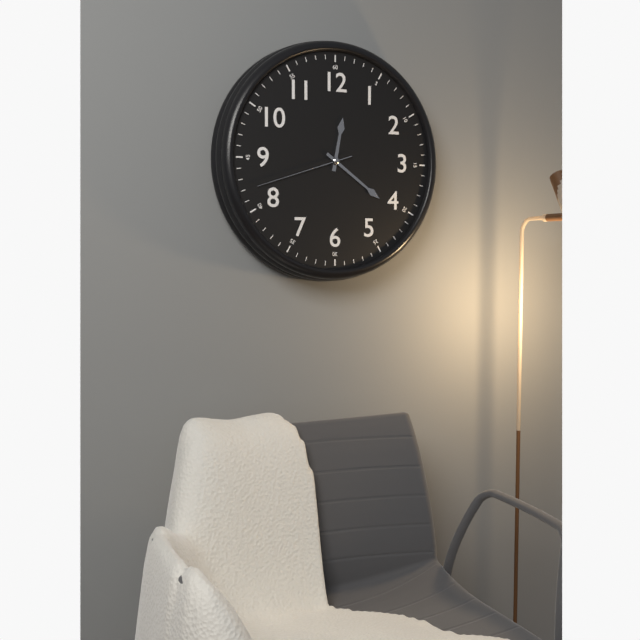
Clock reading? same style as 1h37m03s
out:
12h21m42s
